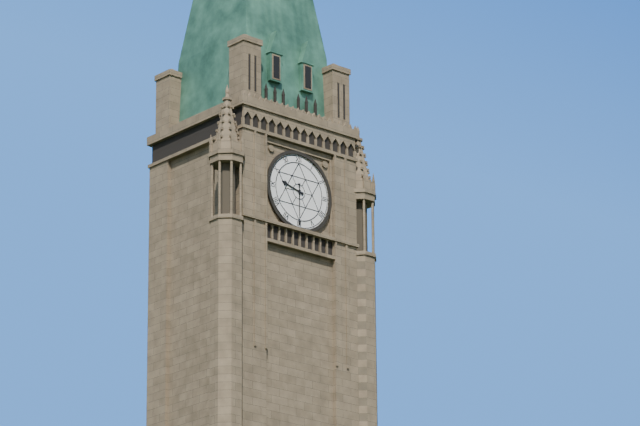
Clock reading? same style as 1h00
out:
9h30
